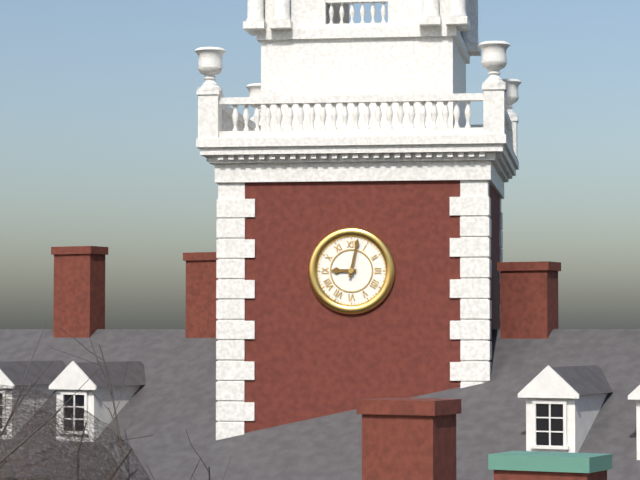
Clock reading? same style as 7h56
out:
9h02
